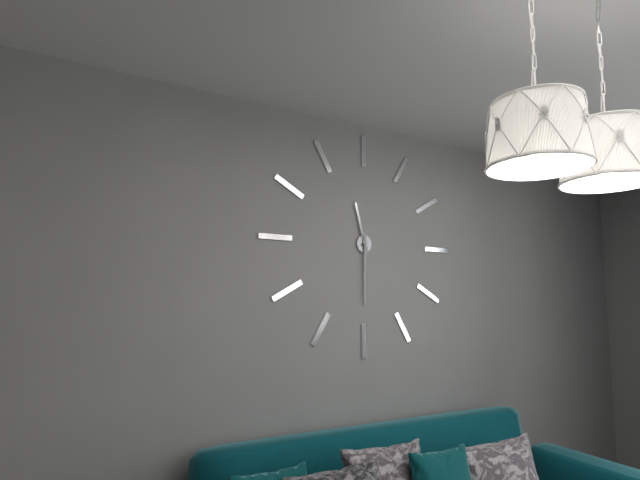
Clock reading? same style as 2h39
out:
11h30
